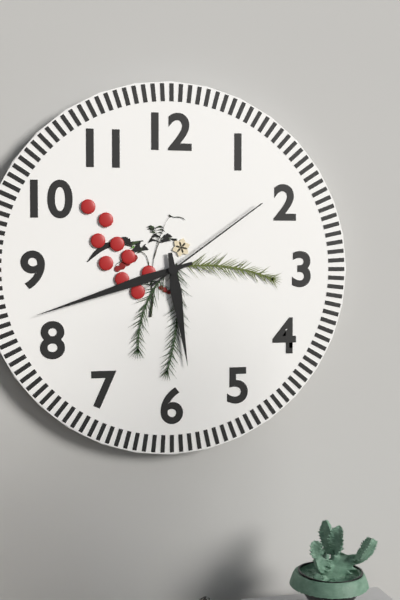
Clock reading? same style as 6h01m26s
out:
5h42m09s
